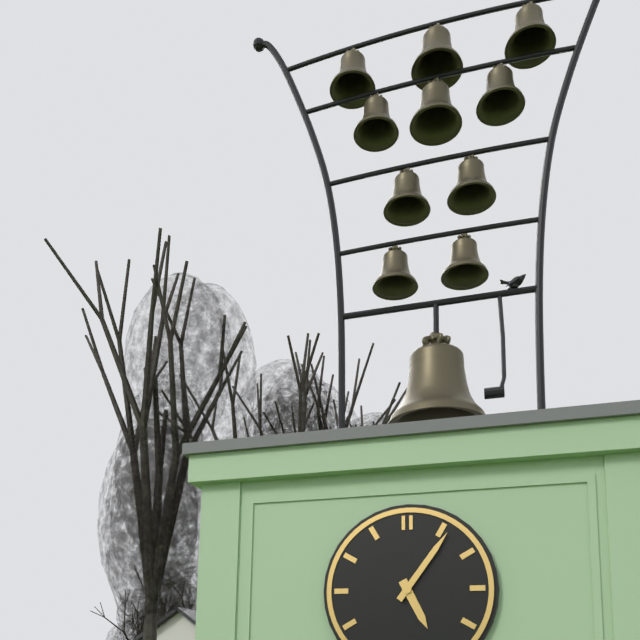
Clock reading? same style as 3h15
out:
5h06
